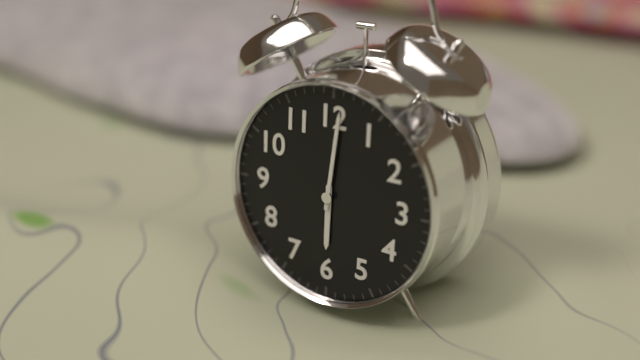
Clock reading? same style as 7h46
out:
6h01
